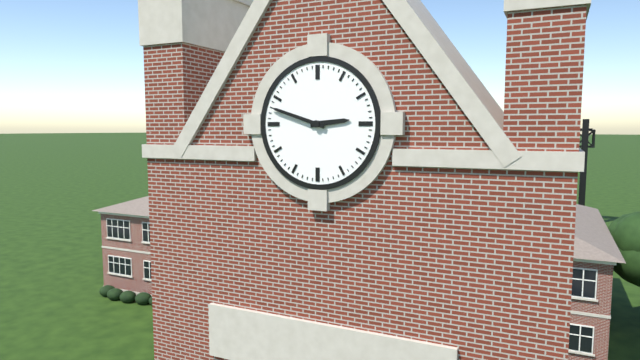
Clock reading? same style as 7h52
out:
2h48
